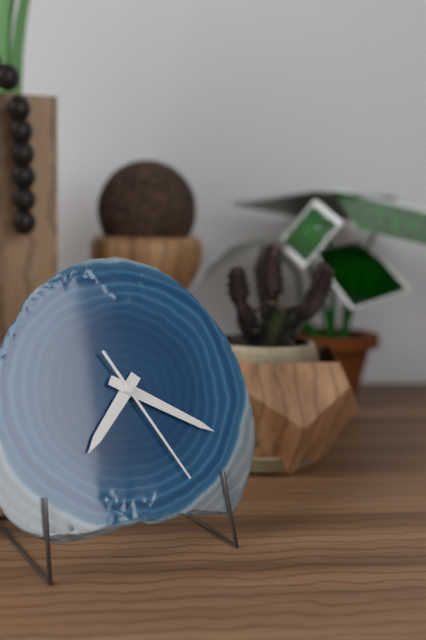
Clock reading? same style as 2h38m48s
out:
7h20m25s
